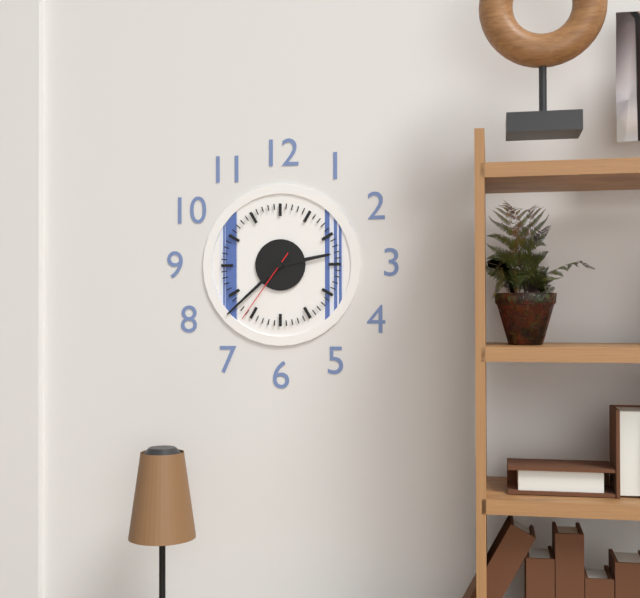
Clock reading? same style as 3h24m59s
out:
2h38m36s
